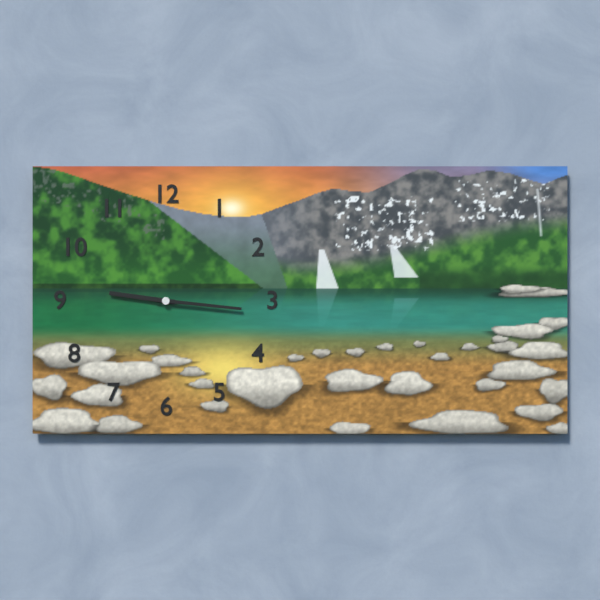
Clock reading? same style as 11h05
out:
9h16
